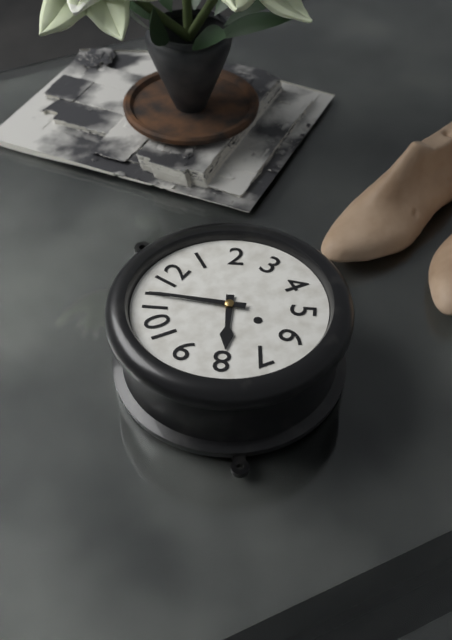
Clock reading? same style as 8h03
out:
7h56
